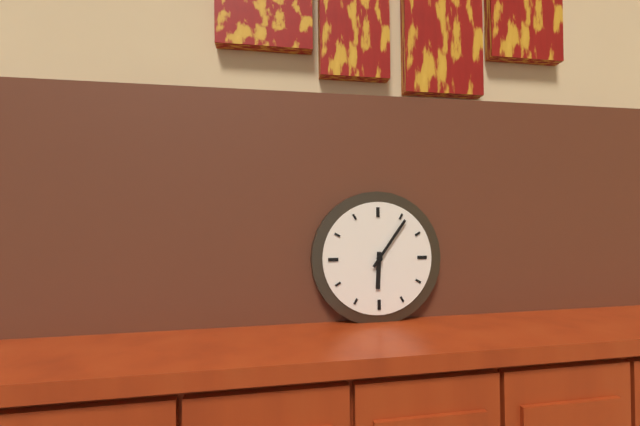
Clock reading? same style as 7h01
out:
6h06
